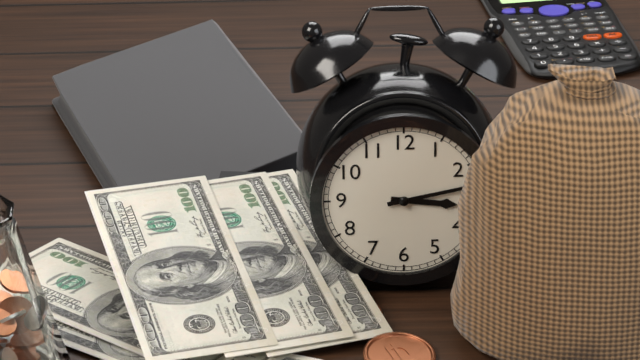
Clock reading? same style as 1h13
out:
3h13
